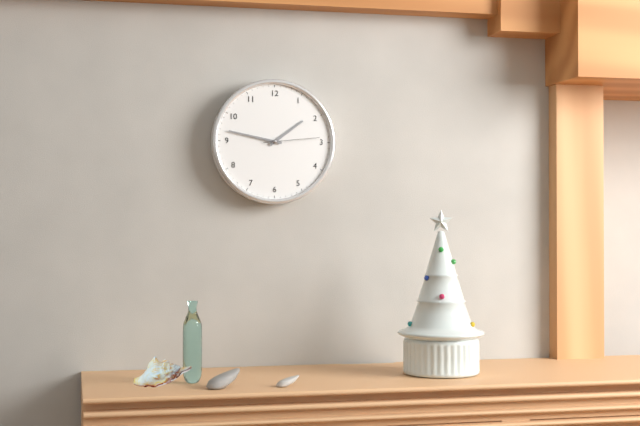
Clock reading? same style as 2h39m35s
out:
1h47m14s
